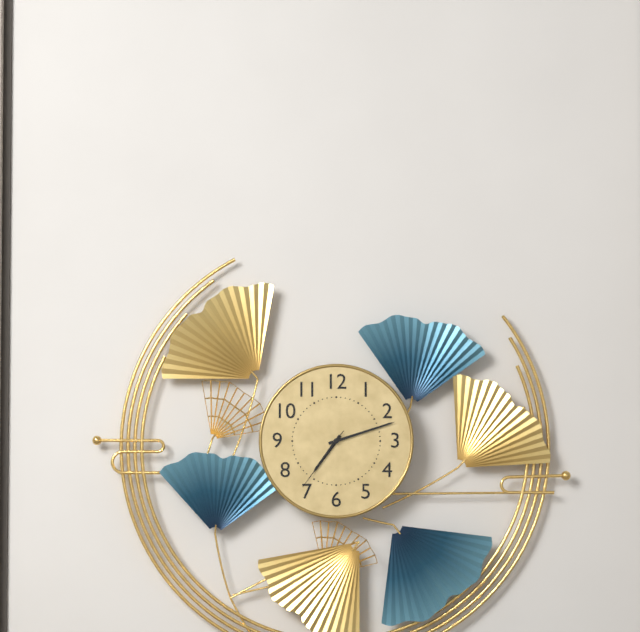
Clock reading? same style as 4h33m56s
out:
7h12m36s
